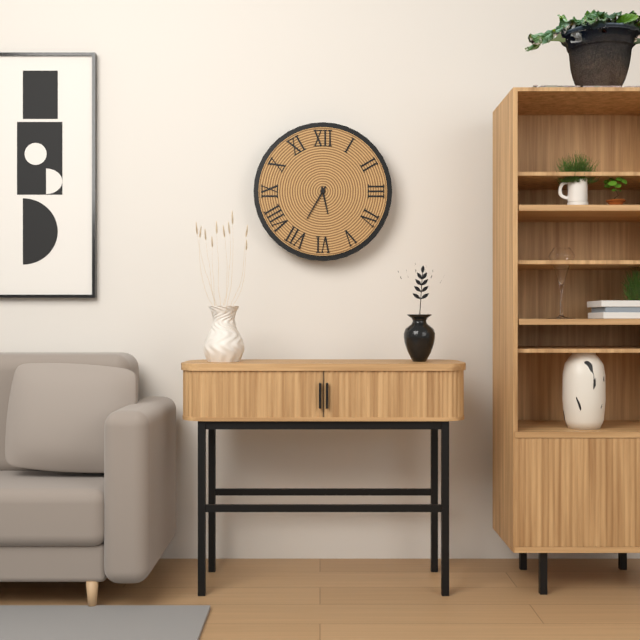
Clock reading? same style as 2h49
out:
5h35
